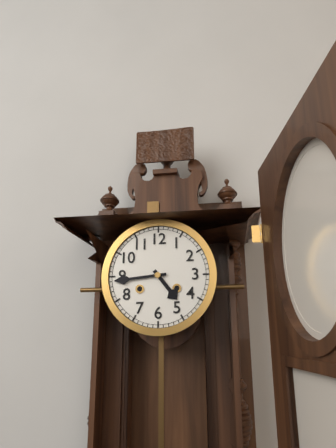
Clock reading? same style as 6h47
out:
4h44
